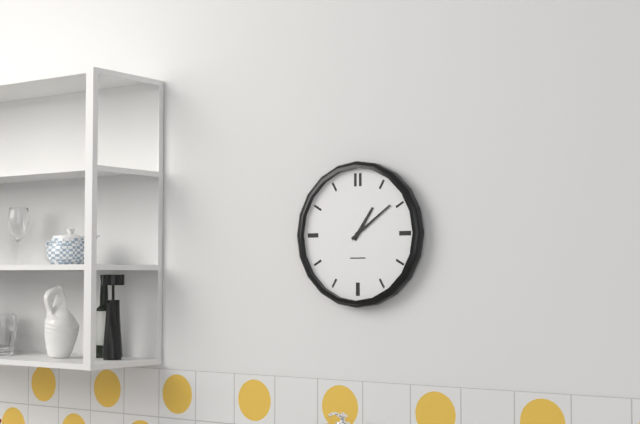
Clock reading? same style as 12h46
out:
1h09
